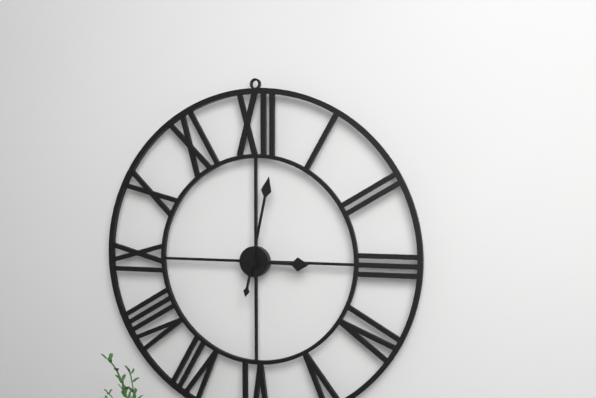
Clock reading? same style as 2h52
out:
3h02
